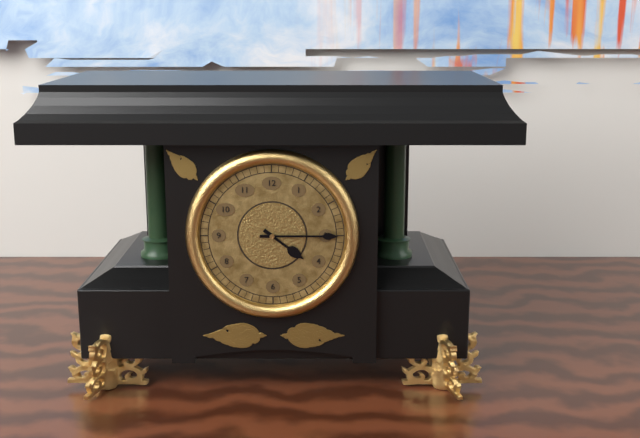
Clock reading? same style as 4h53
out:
4h15
